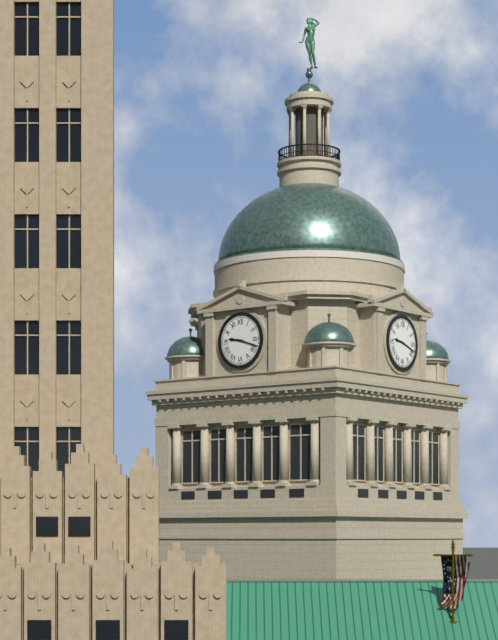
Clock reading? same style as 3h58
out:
9h18
